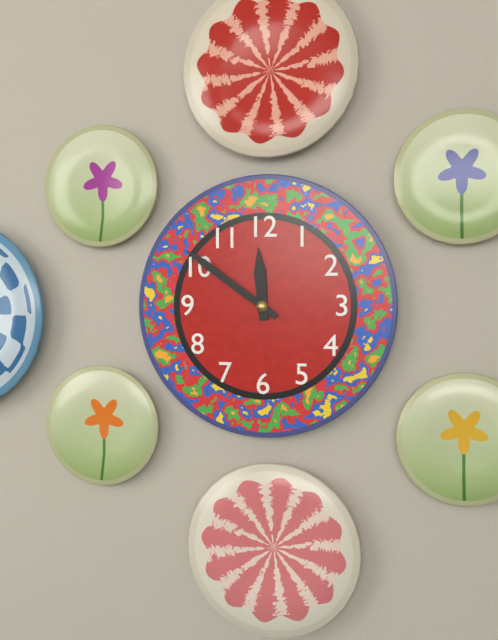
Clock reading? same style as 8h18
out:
11h51
